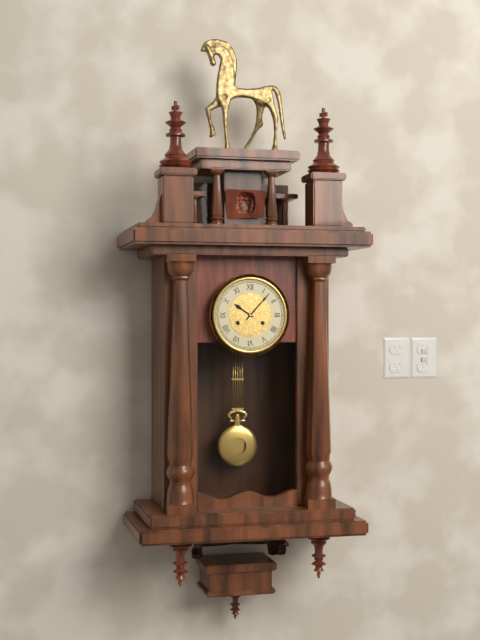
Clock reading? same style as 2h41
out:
10h07
